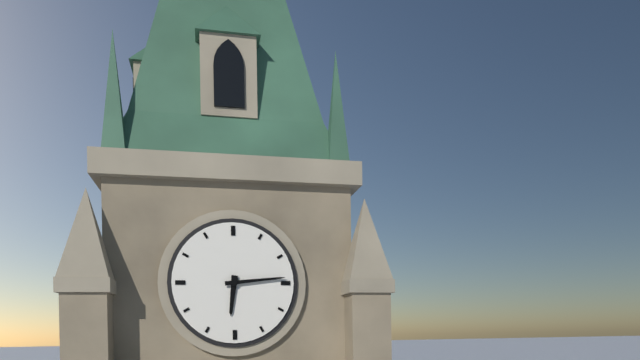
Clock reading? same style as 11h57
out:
6h14
